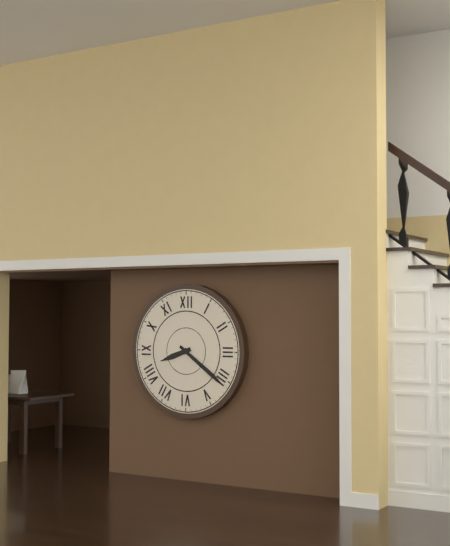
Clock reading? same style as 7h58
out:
8h21
